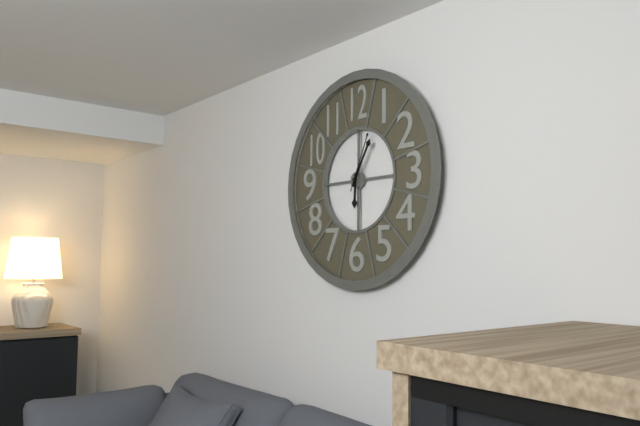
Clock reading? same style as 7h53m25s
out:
6h05m04s
